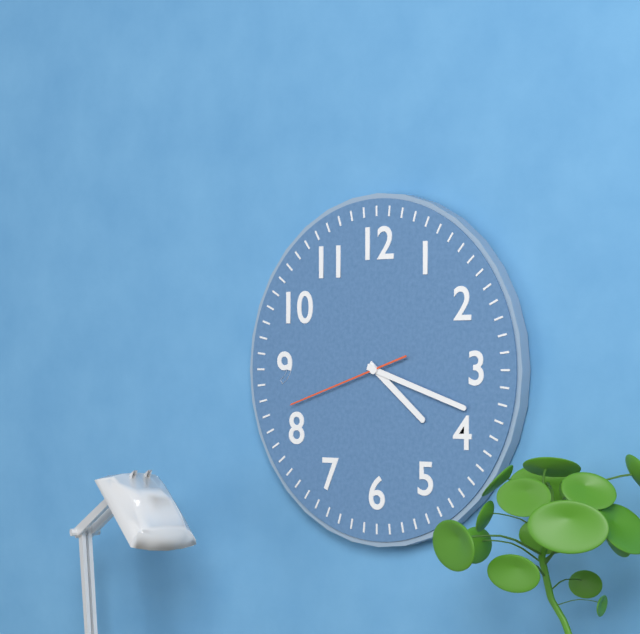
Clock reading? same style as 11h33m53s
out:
4h18m42s
